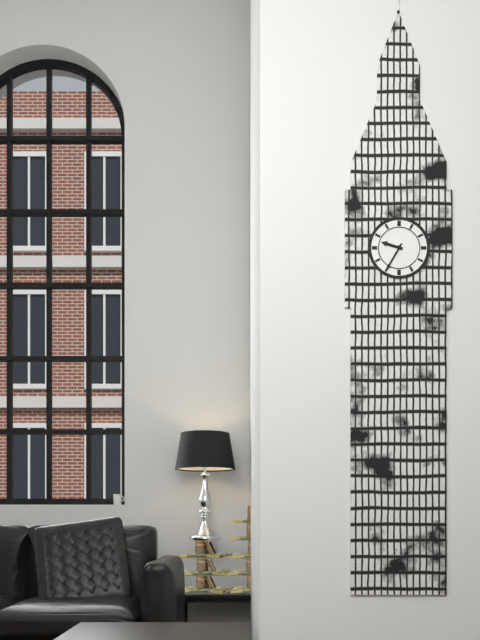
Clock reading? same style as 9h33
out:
9h35
